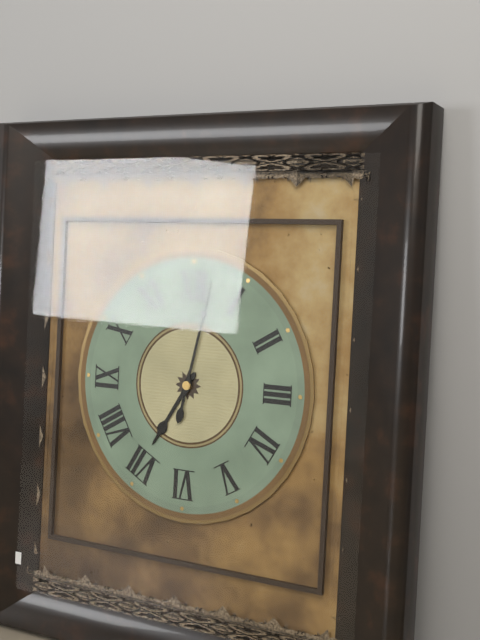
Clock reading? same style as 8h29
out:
7h02
